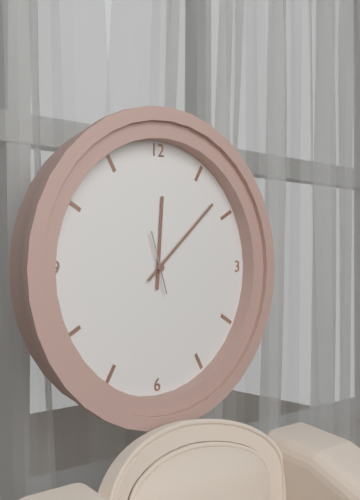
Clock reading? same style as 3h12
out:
12h08
